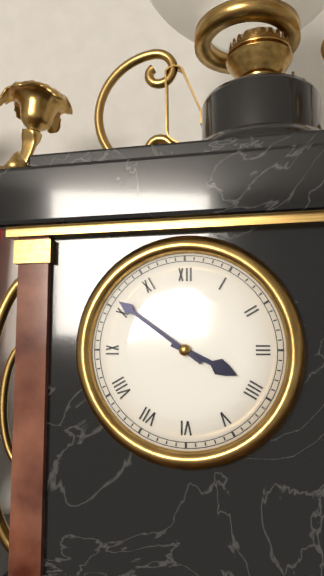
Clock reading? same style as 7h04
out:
3h51
